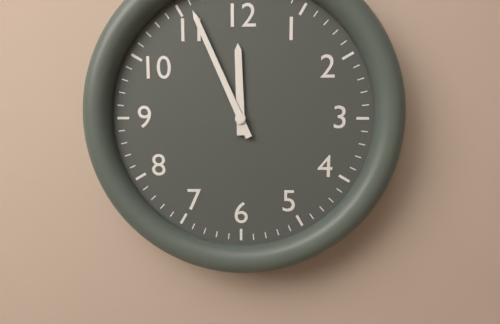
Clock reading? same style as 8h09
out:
11h56
